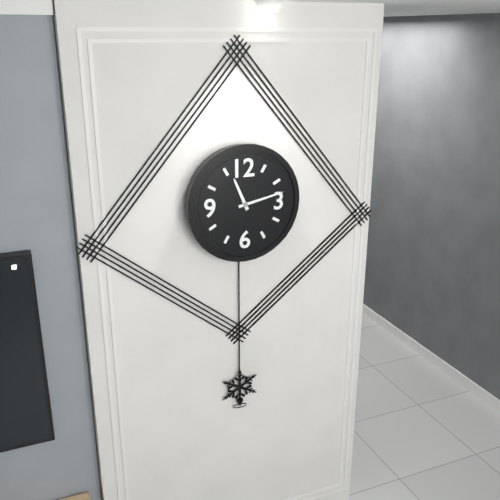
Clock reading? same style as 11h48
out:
11h13
